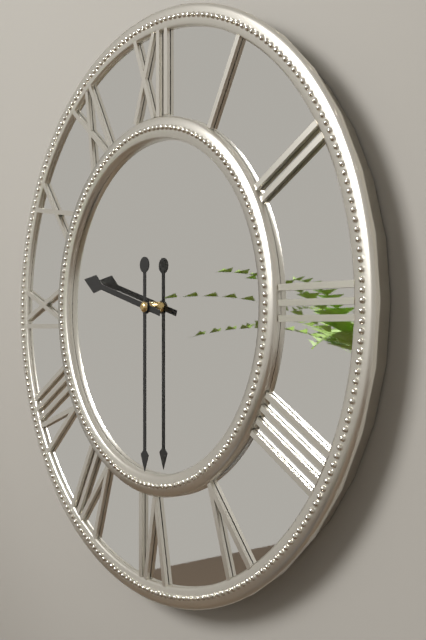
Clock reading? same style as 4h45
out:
9h30
